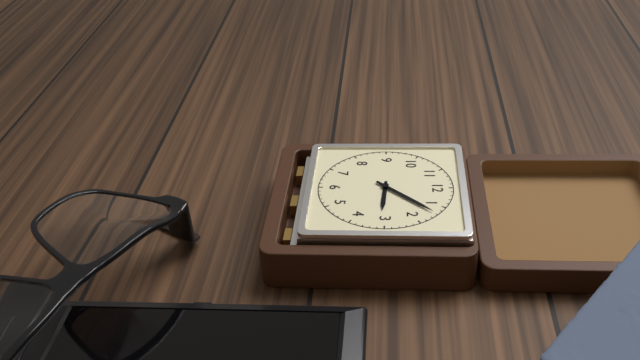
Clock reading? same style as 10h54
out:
3h07
